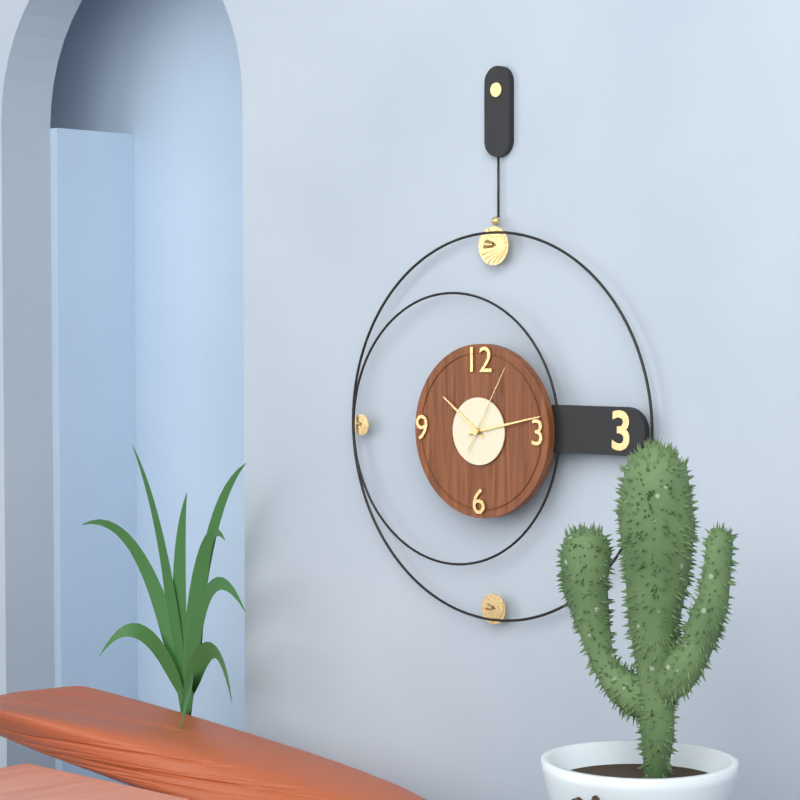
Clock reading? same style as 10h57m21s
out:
10h13m05s
